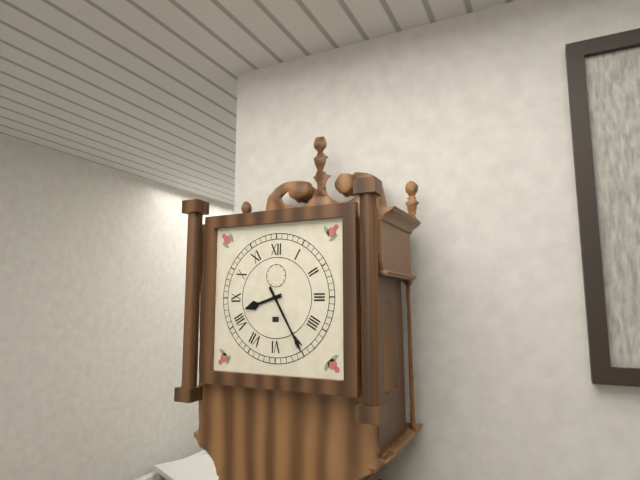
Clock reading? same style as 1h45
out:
8h25
